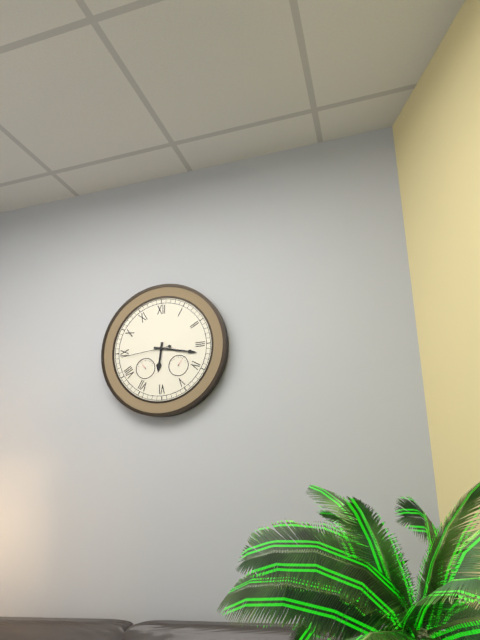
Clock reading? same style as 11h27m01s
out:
6h17m44s
